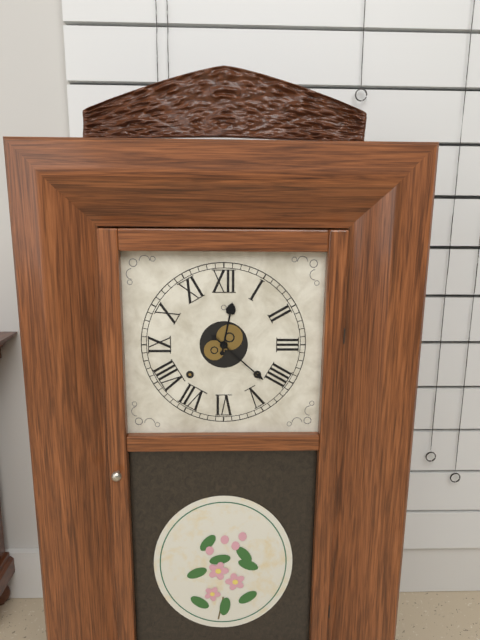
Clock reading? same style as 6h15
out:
12h22
